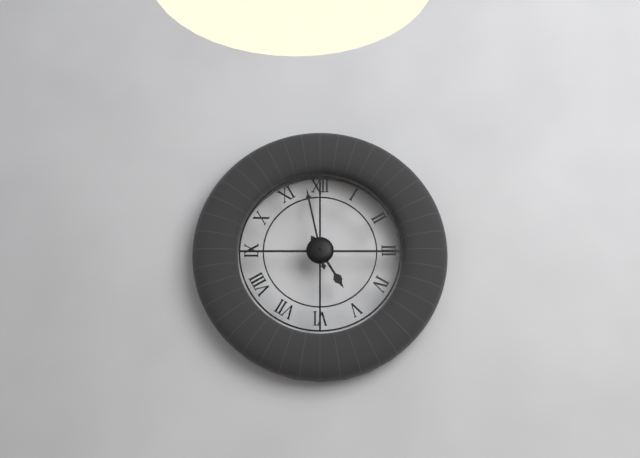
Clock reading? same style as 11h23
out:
4h58
